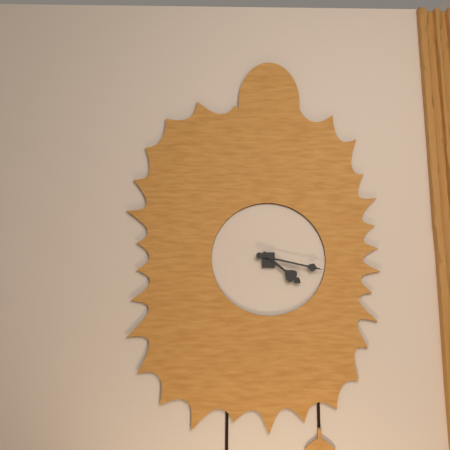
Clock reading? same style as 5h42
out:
4h17
